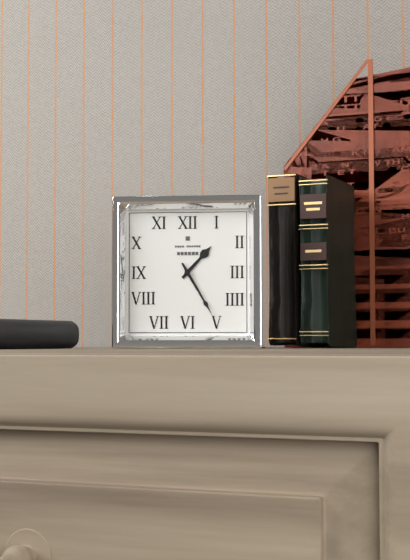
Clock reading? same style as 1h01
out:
1h25
